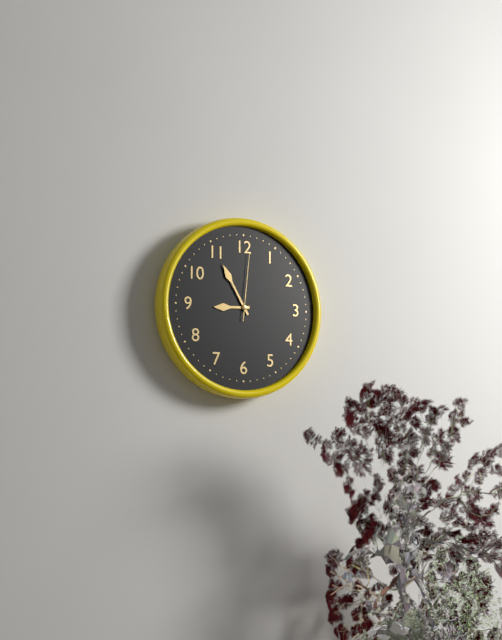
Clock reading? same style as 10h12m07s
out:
8h55m01s
